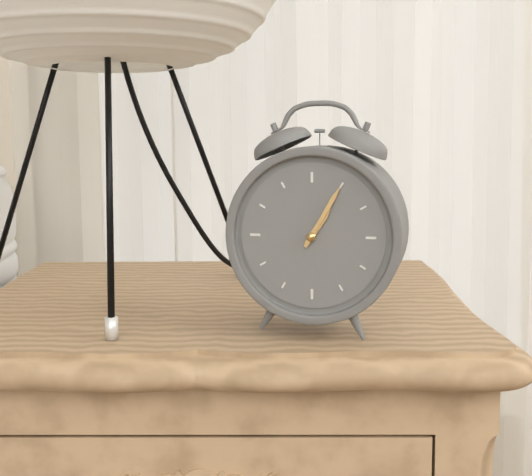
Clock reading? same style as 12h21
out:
1h05
